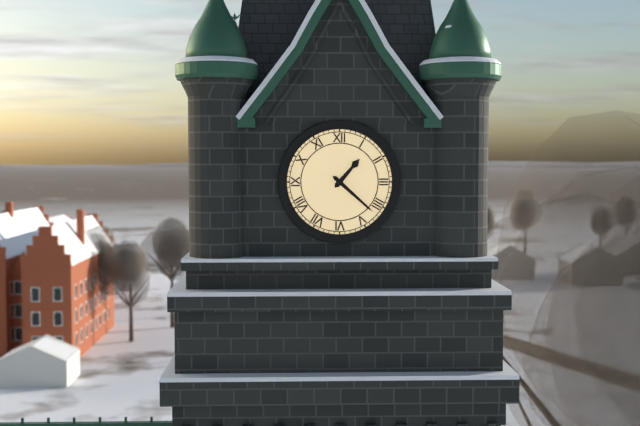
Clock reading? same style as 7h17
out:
1h22
